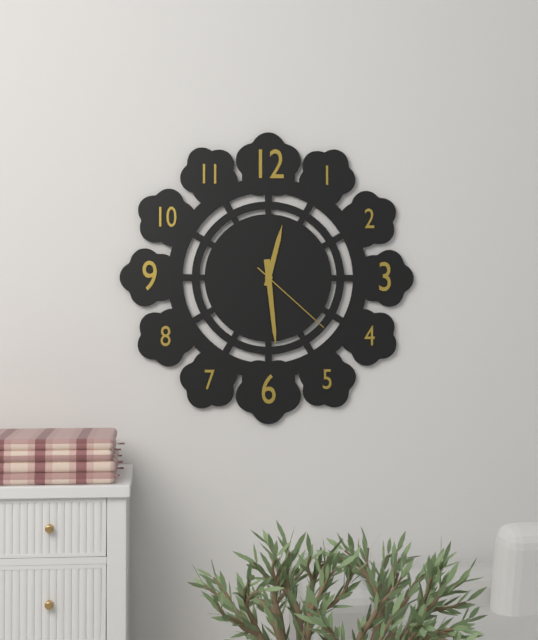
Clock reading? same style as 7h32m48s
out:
12h29m22s
